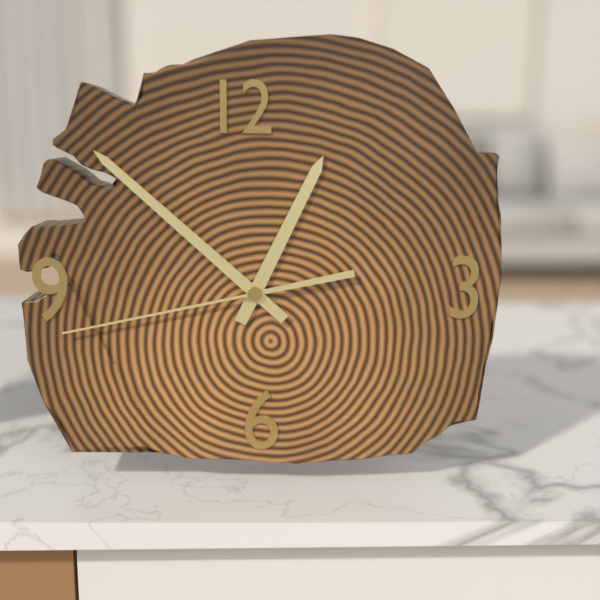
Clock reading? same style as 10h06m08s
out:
12h52m43s
